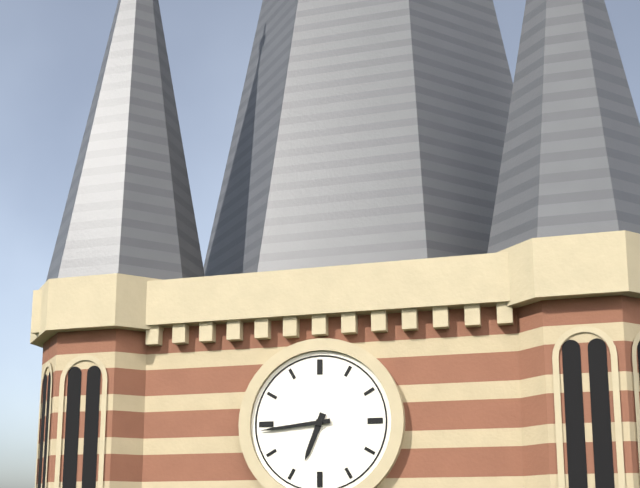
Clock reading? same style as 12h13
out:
6h44
